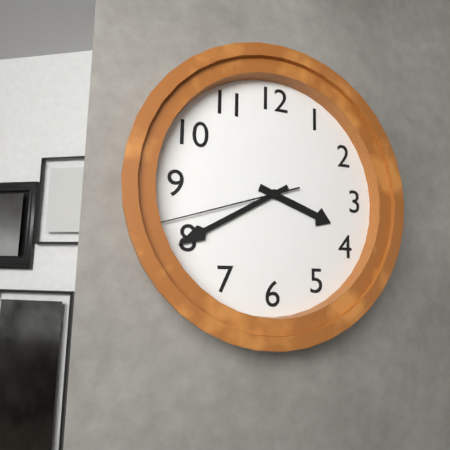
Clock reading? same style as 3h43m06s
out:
3h40m42s
